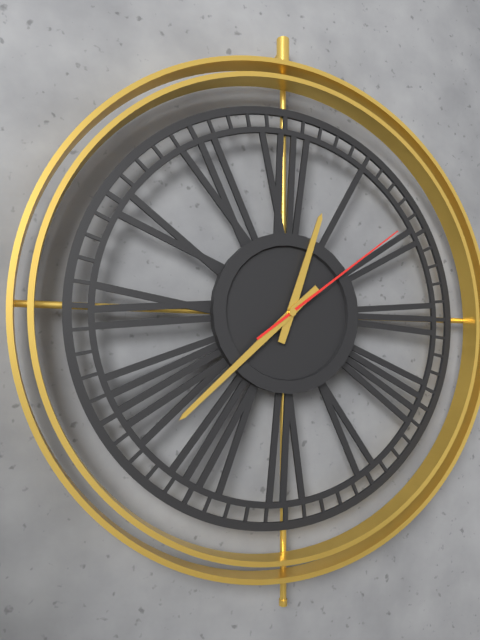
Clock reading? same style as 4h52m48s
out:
12h38m09s
